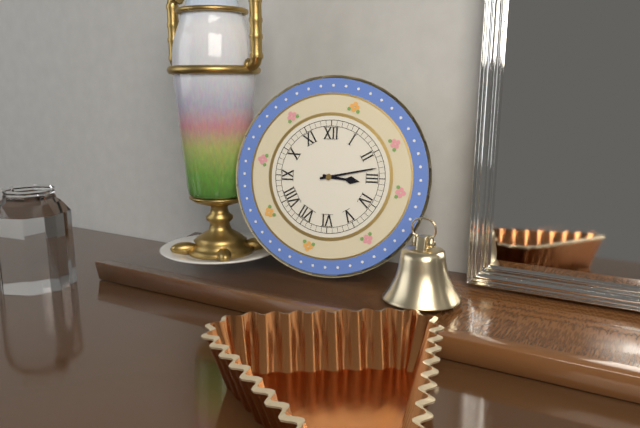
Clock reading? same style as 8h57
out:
3h13
